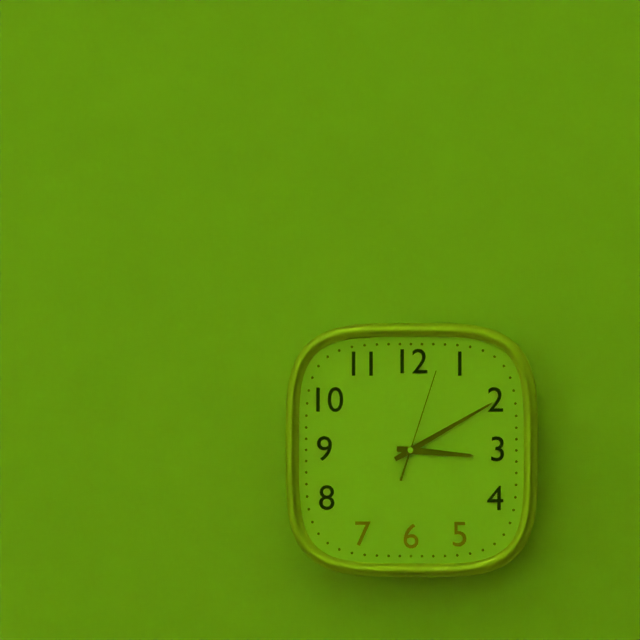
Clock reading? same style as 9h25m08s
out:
3h10m03s
